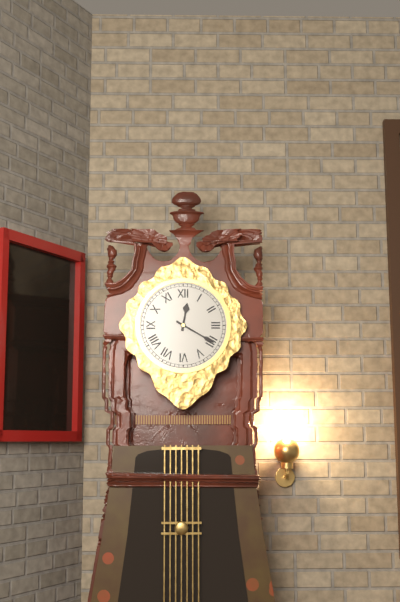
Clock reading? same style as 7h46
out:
12h20
